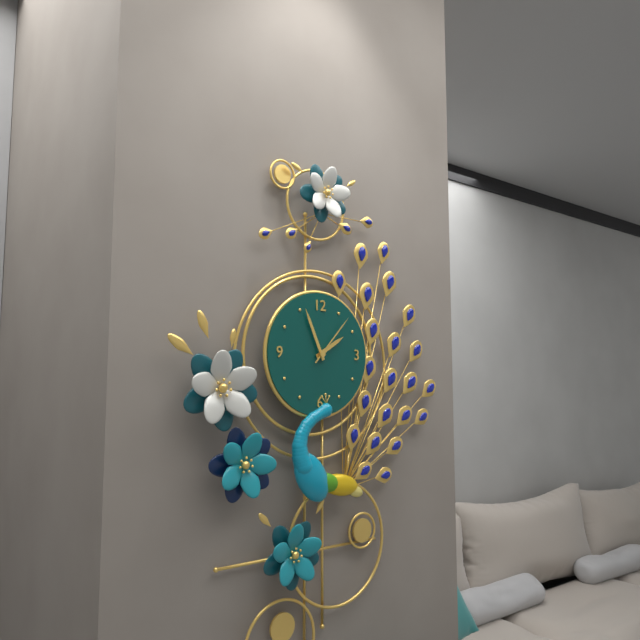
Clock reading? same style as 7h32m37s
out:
1h56m07s
